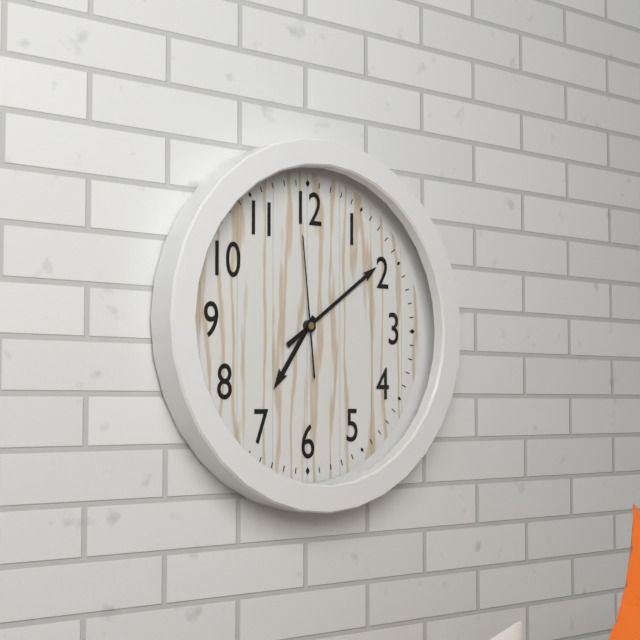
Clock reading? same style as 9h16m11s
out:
7h09m59s
